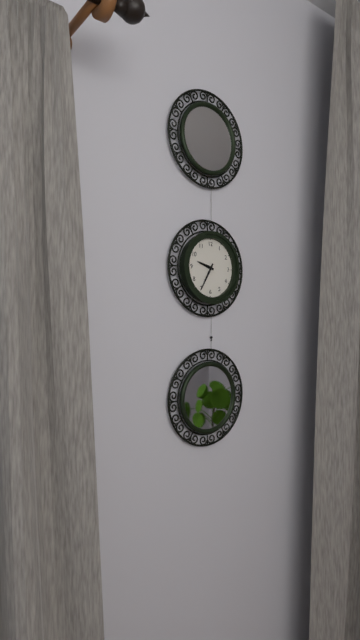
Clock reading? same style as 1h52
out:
9h35
